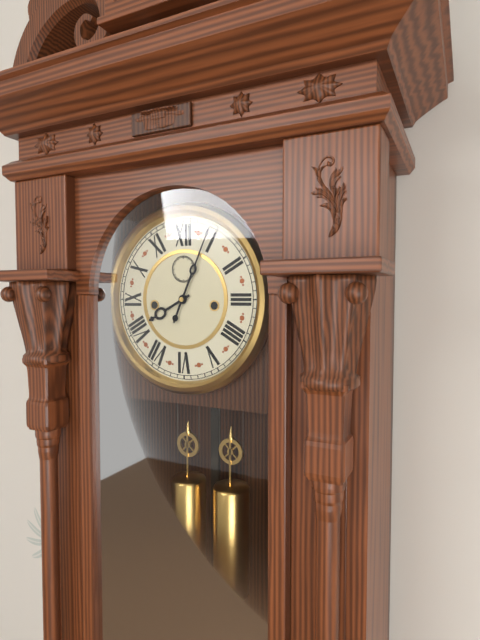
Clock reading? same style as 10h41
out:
8h04
